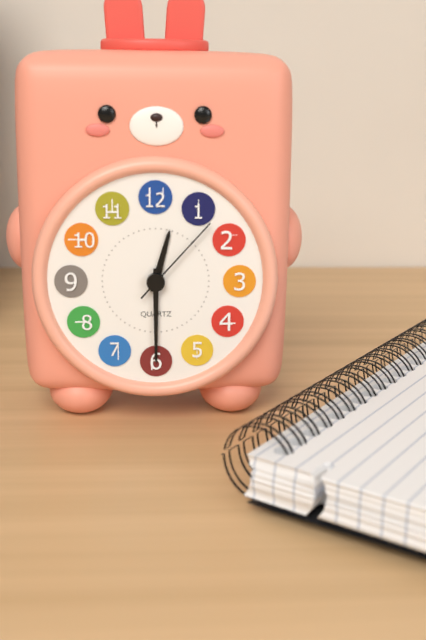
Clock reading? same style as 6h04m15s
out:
12h30m07s
